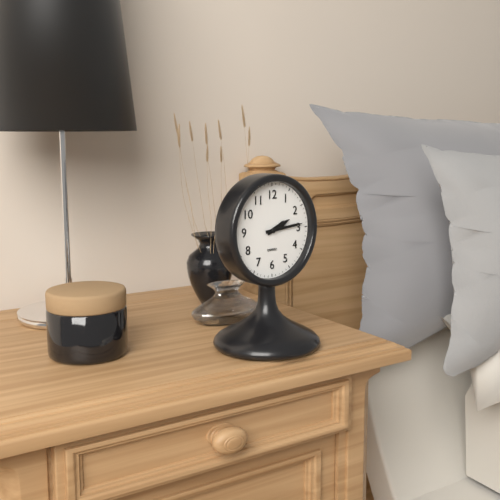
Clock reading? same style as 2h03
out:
2h14
